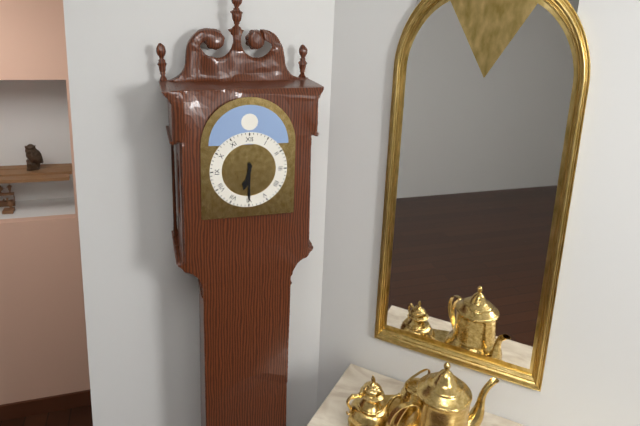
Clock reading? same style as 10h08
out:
6h30
